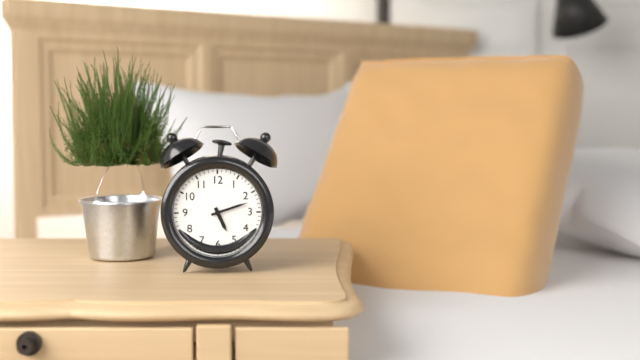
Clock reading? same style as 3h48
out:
5h12
